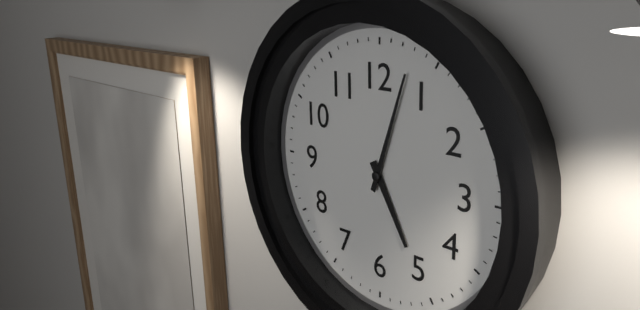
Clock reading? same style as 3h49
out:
5h03
